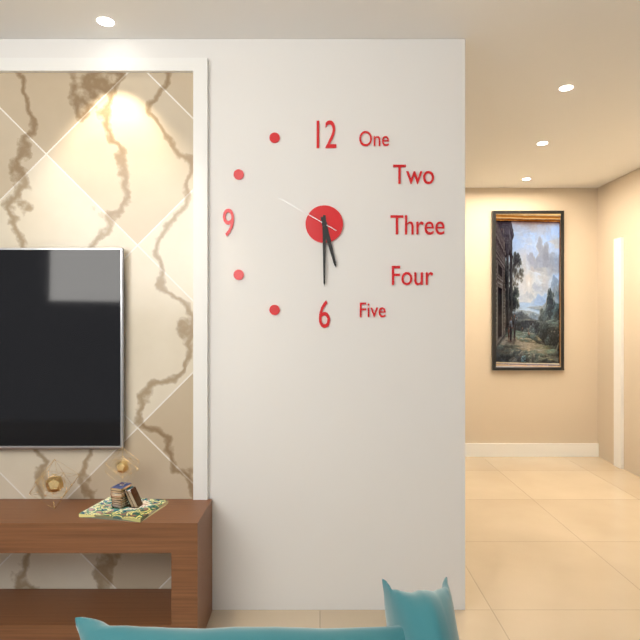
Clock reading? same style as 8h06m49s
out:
5h30m50s
